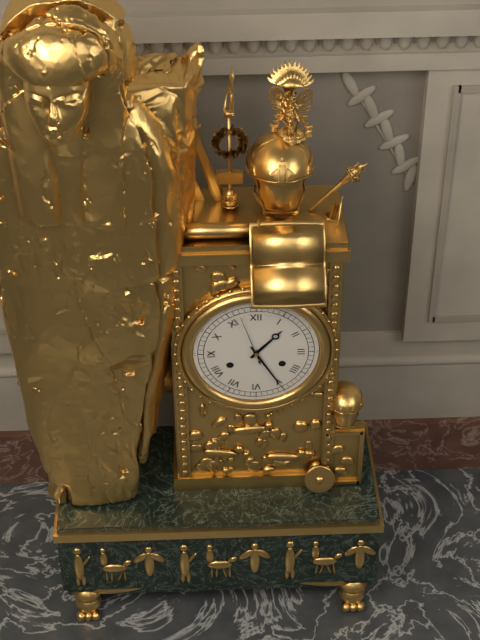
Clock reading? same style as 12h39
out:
1h25
